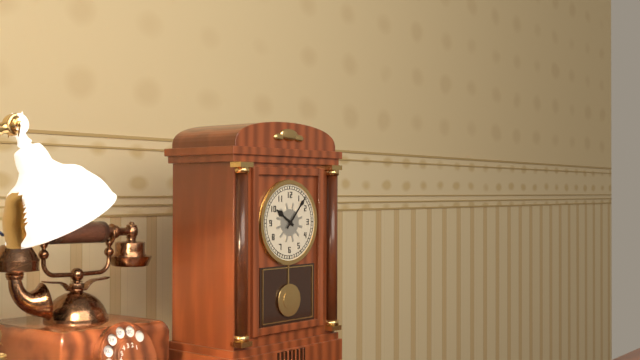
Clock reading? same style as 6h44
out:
10h07
